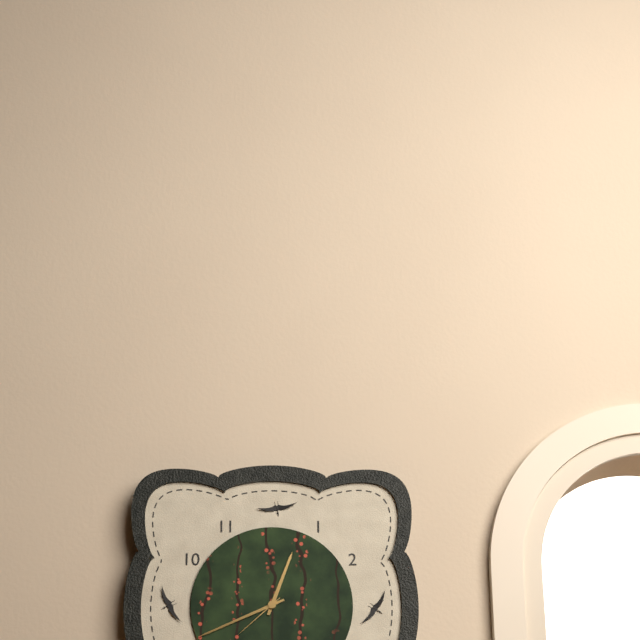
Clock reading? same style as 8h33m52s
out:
12h41m38s
